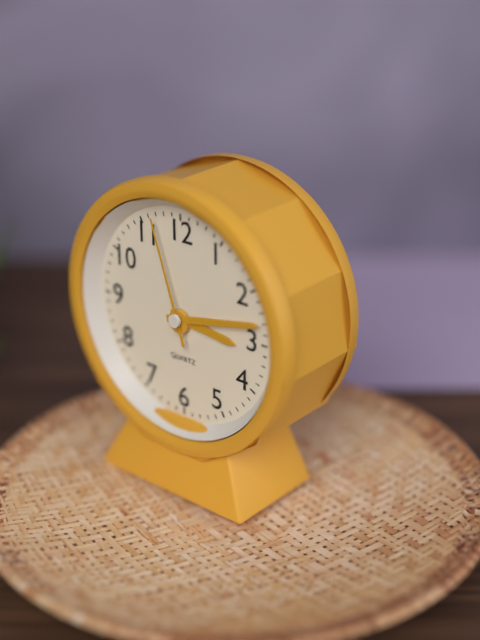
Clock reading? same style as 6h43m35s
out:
3h13m57s
